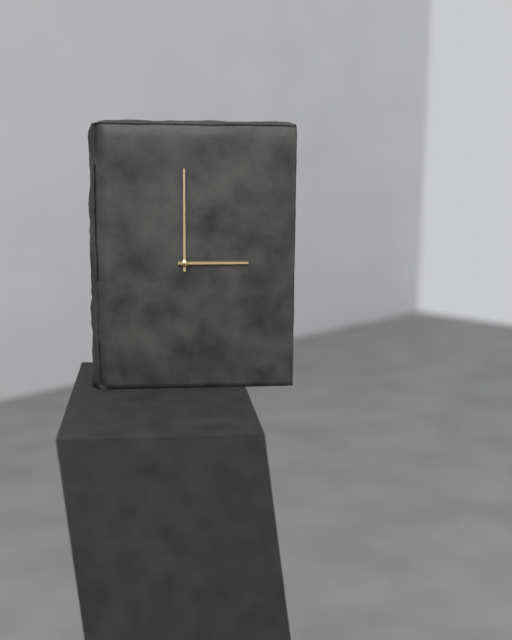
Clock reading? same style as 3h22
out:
3h00
